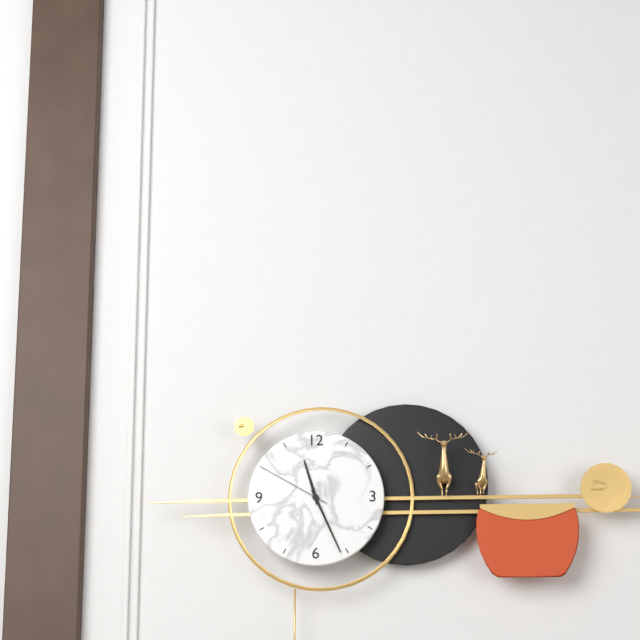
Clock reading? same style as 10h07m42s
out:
11h26m50s
